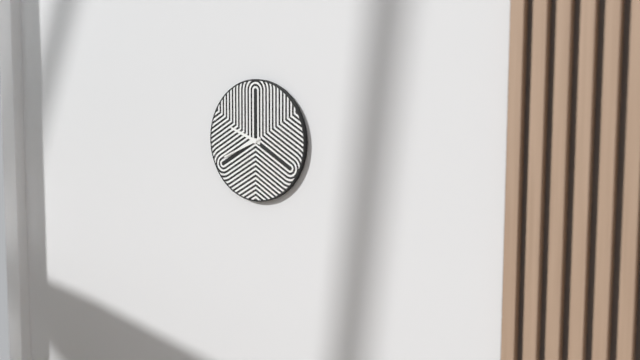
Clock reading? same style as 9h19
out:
9h41
